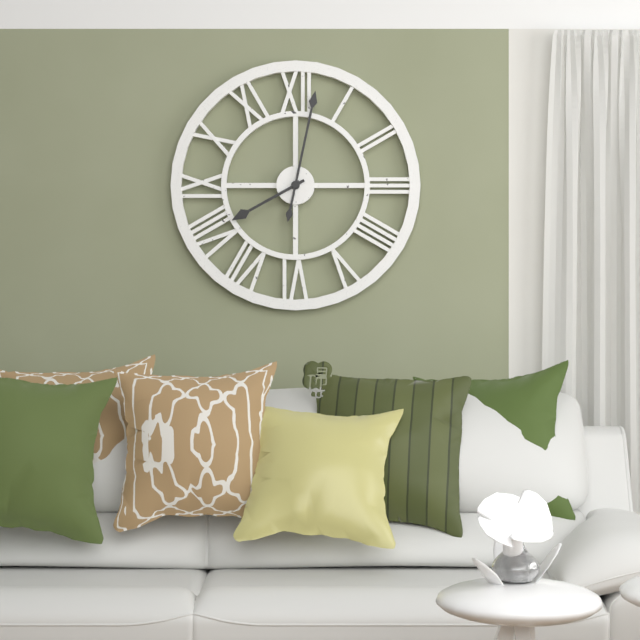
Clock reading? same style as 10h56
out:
8h02
